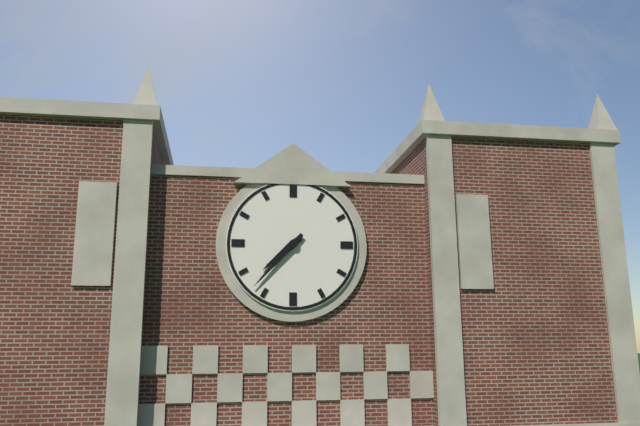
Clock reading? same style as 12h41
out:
7h37
